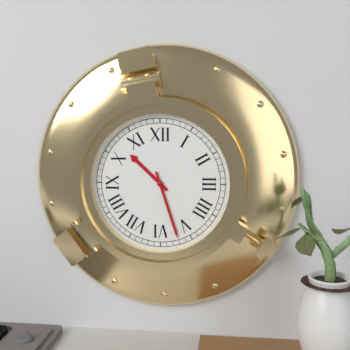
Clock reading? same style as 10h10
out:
10h27
